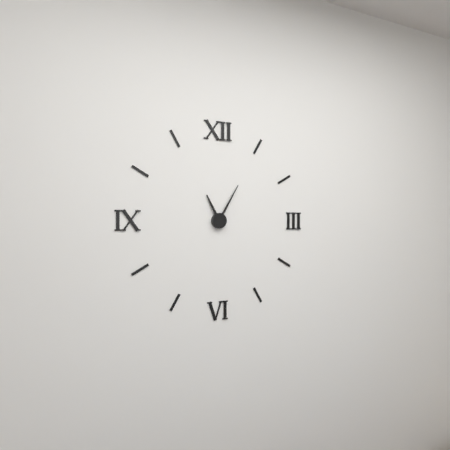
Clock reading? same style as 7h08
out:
11h05
